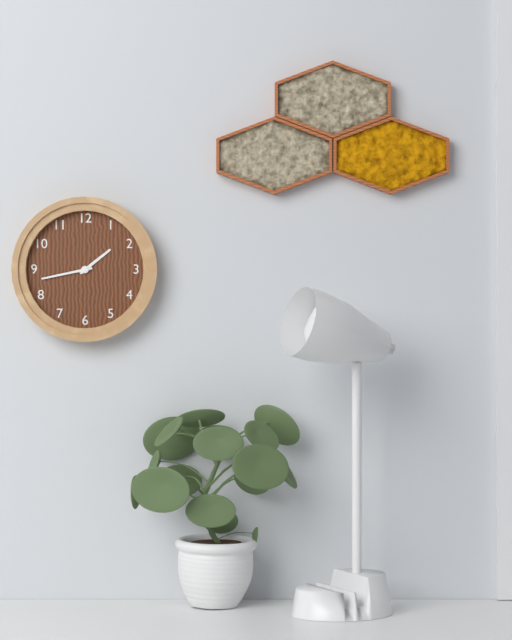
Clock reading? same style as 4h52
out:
1h43
